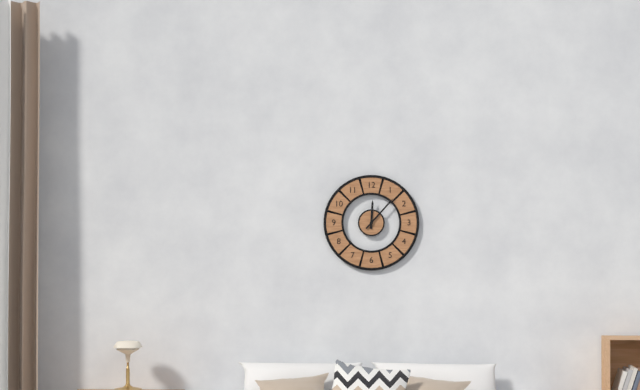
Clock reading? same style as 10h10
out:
12h07
